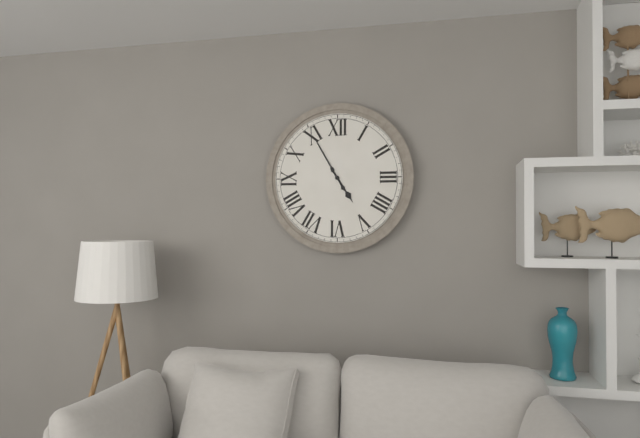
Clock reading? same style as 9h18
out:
4h55
